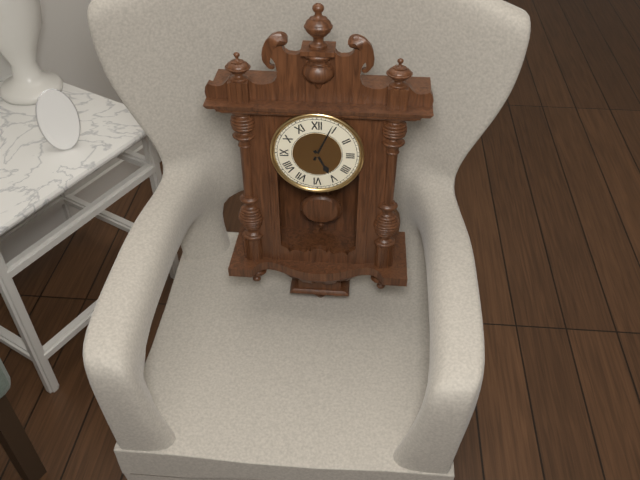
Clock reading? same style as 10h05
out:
5h04
